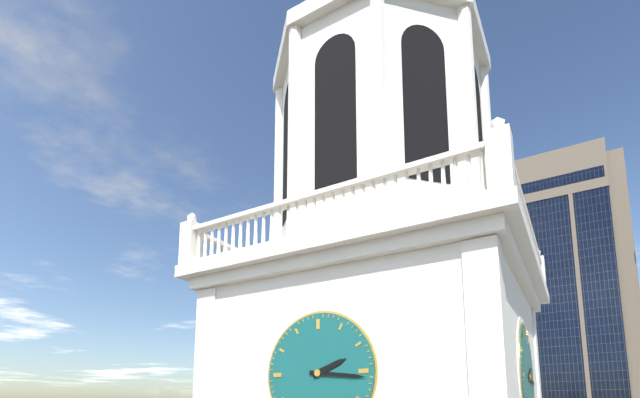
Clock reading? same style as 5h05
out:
2h16
